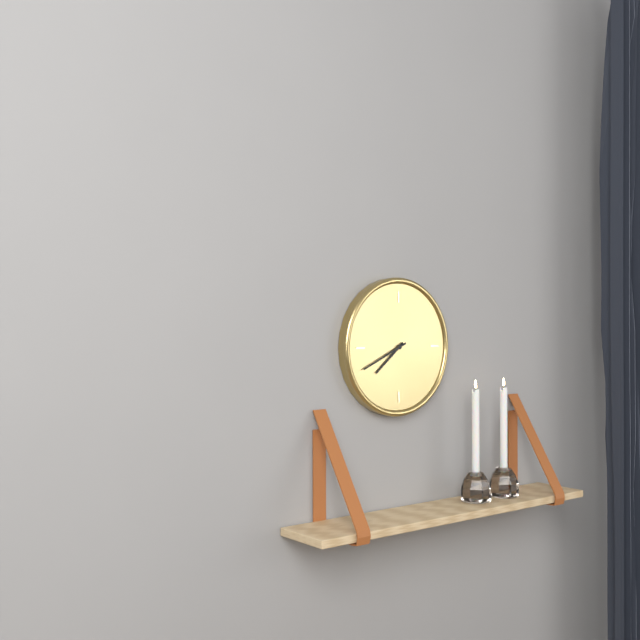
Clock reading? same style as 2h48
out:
7h41
